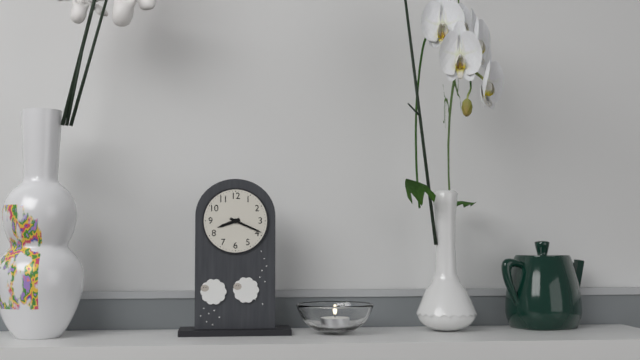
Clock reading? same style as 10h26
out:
8h19
